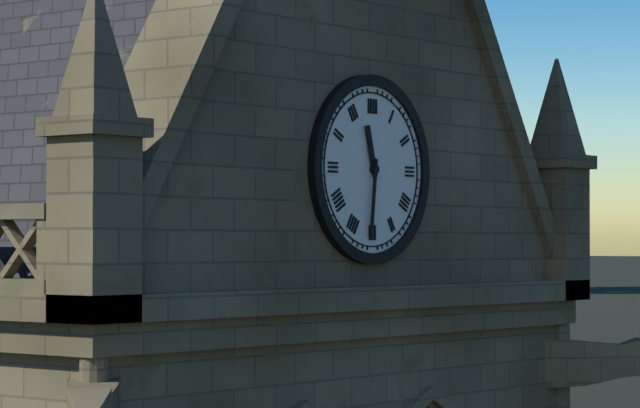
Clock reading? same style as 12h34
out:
11h31
